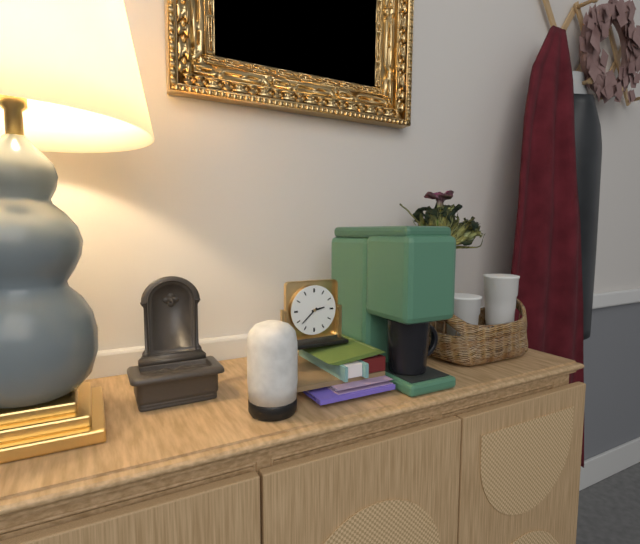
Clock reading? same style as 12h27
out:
2h38
